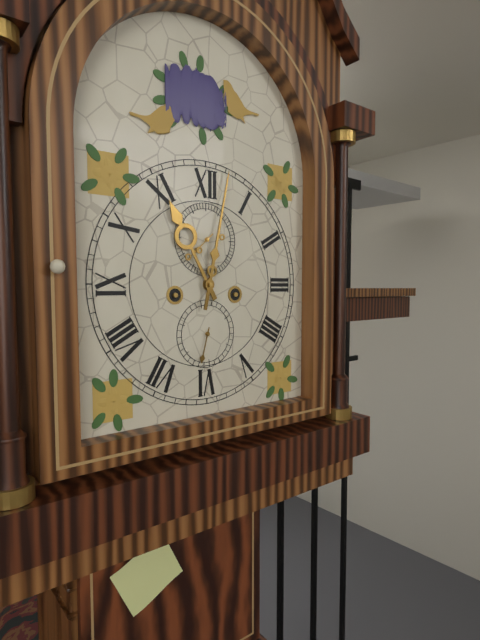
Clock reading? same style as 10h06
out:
11h02
